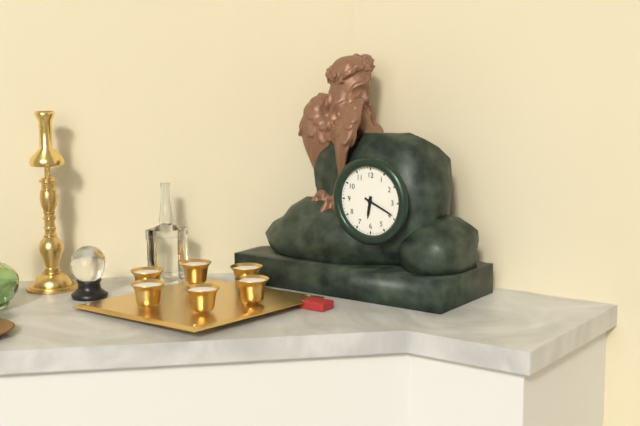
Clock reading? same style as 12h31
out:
6h19
